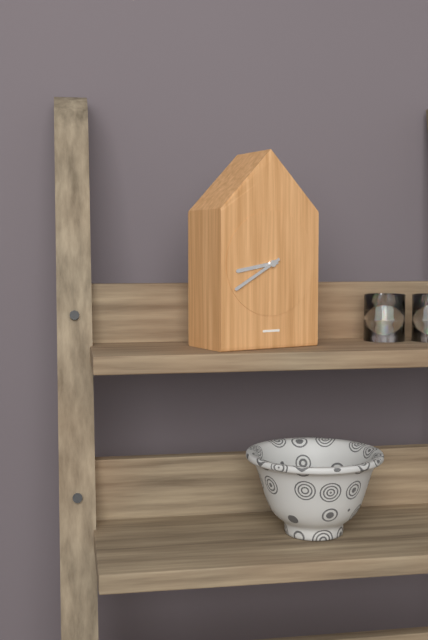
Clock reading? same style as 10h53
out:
8h40
